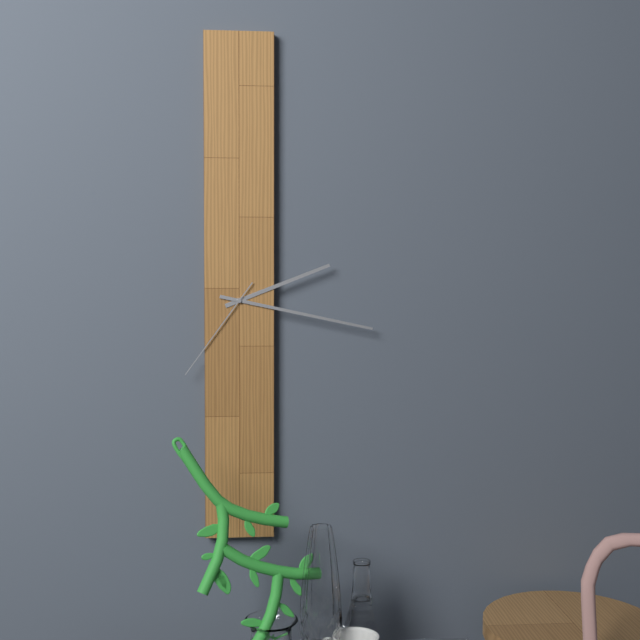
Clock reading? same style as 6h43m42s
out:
2h17m36s
